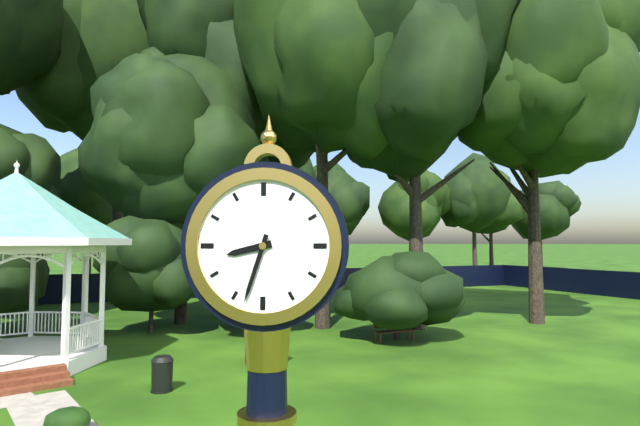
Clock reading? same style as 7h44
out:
8h33
